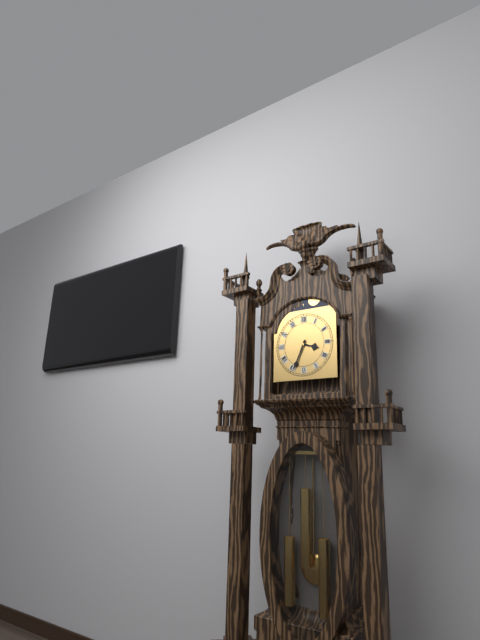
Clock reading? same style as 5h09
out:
3h34
